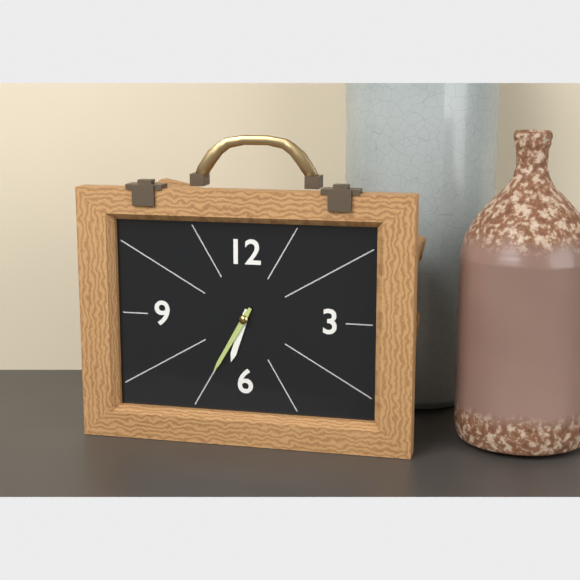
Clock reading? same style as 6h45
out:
6h35
